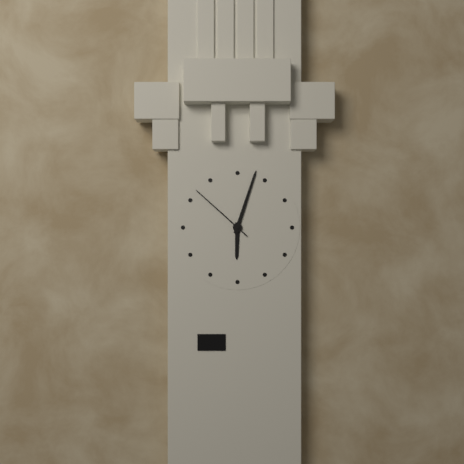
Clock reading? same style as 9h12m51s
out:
6h03m52s
